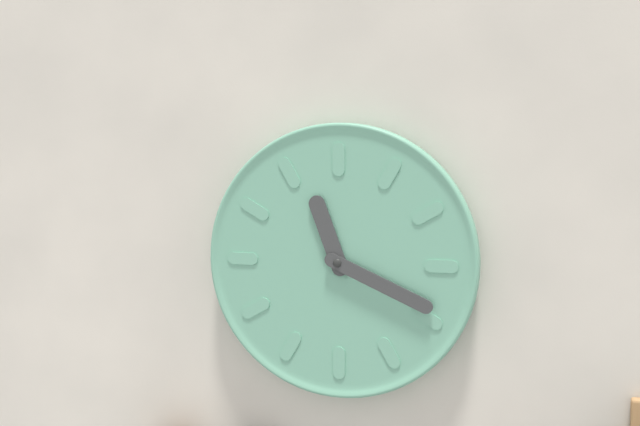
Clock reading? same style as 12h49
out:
11h19
